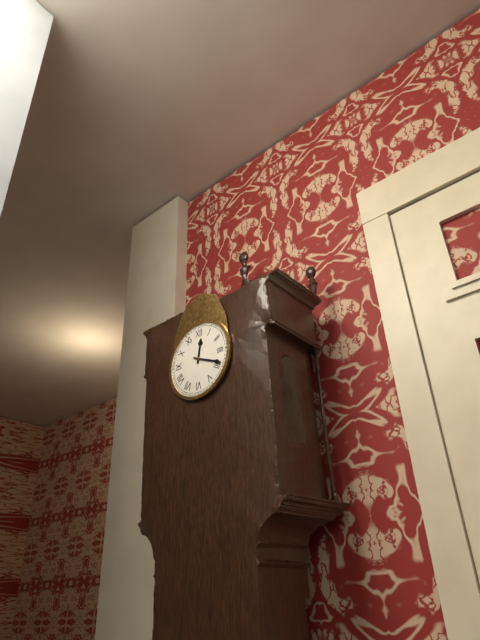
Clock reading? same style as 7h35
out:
12h19
